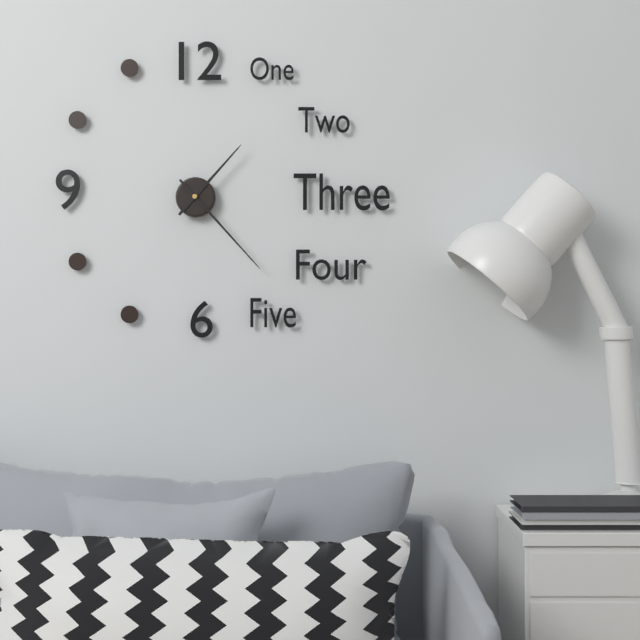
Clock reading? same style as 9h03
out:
1h23
